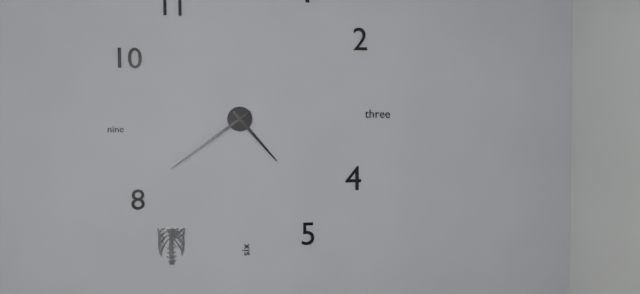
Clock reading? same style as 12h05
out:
4h39
